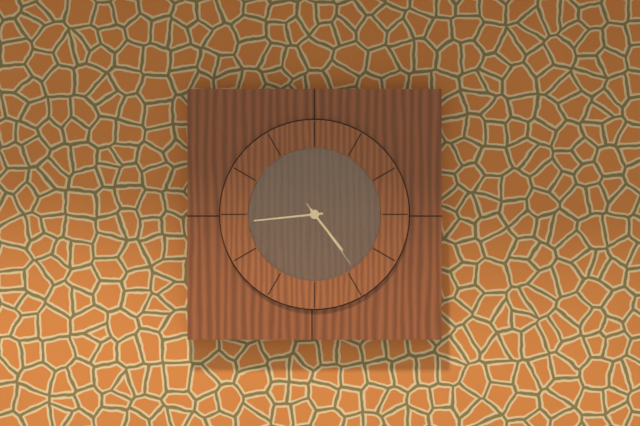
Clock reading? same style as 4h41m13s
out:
4h44m24s
